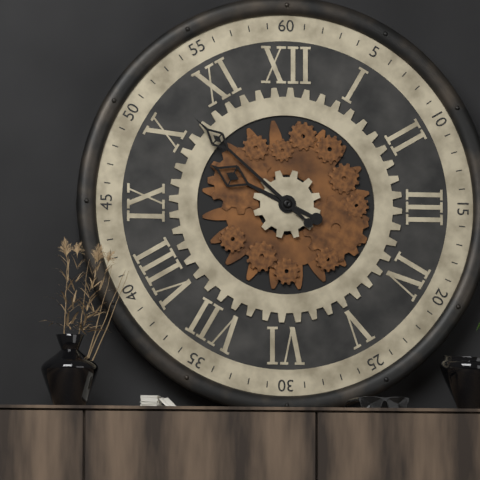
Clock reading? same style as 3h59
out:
9h52
